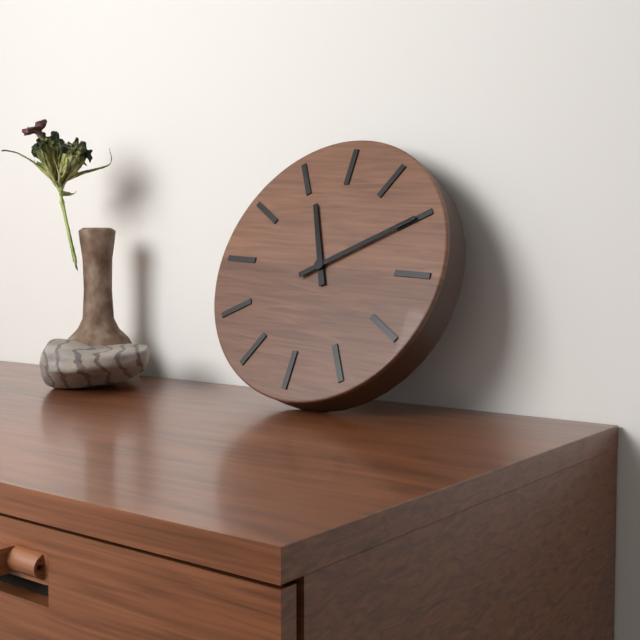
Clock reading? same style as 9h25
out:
11h10
